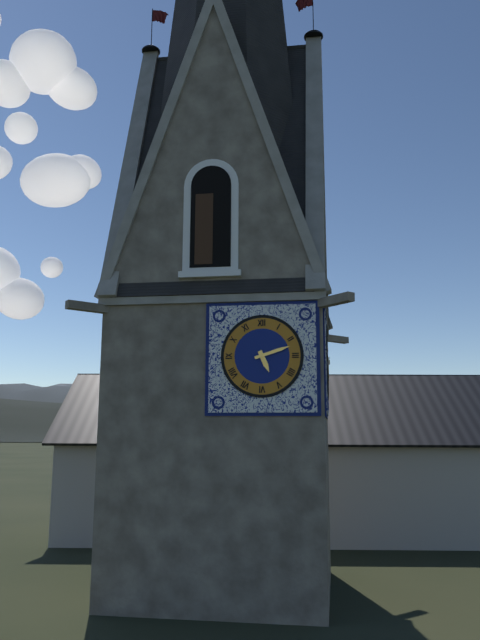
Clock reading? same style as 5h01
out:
5h12
